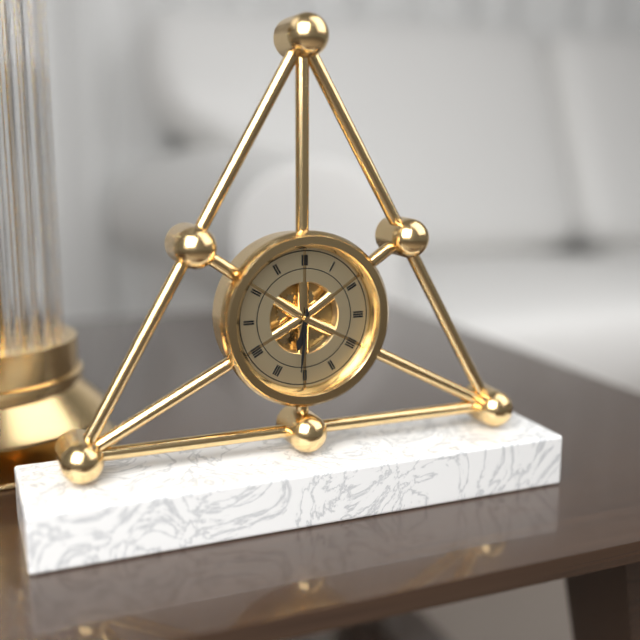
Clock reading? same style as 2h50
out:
6h31
